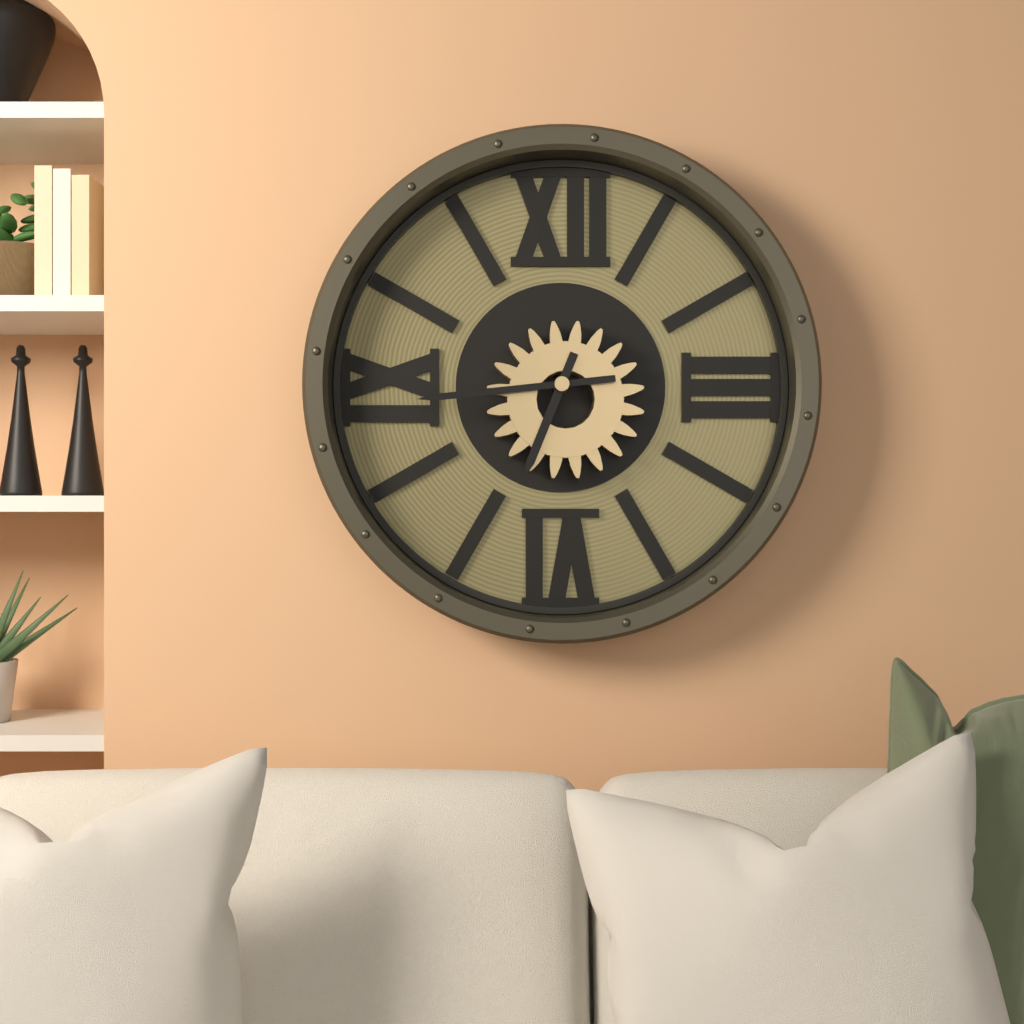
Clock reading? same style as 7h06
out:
6h44
